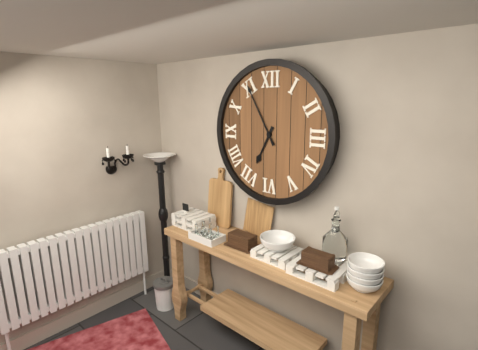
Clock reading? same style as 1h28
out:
6h55
